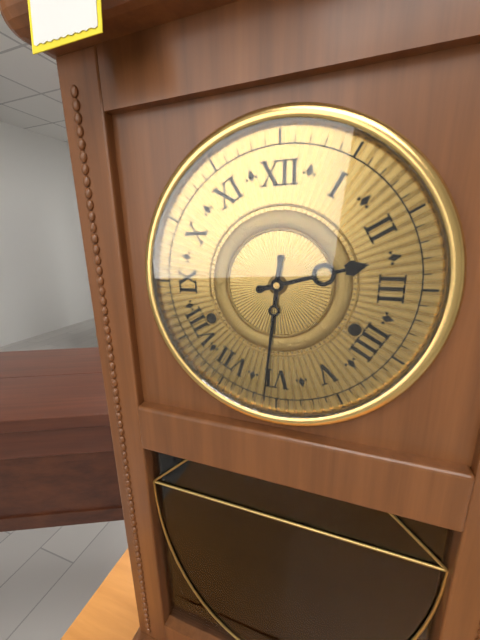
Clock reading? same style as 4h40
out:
2h31
